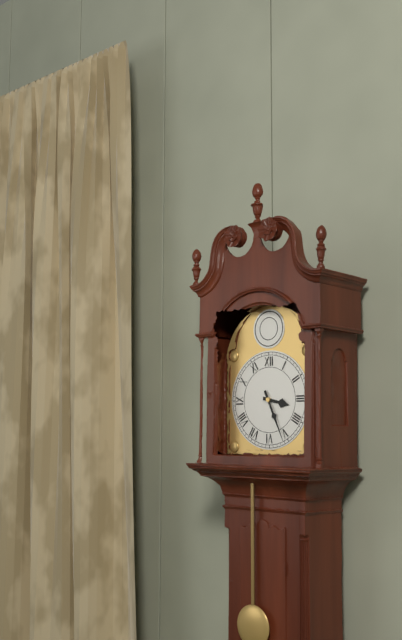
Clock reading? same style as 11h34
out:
3h26
